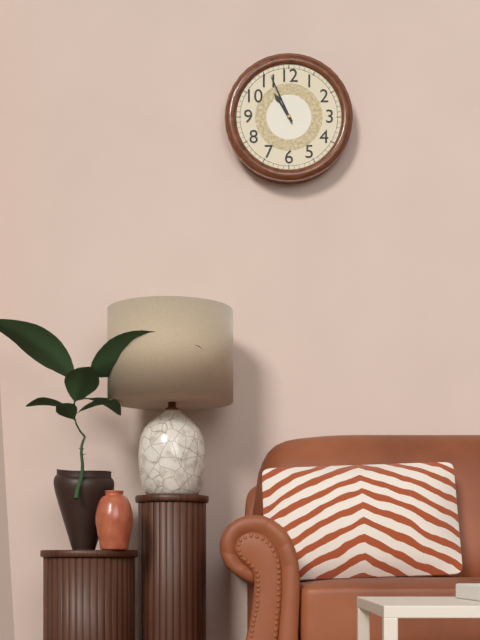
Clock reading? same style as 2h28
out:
10h56
